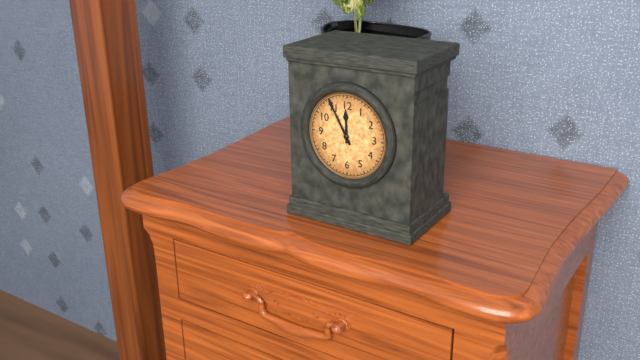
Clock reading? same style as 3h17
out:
11h55
